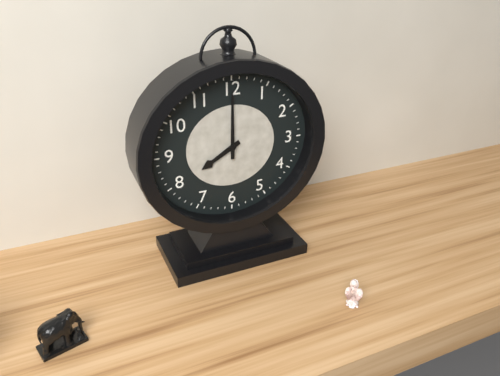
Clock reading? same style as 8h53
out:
8h00
